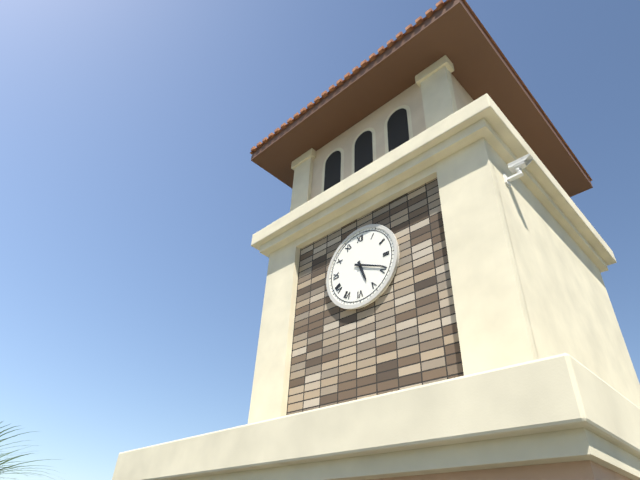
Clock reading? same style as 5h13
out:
5h19
